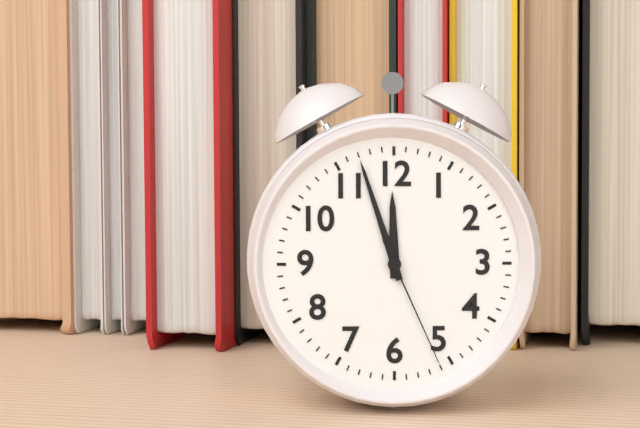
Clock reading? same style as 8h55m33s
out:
11h57m26s
